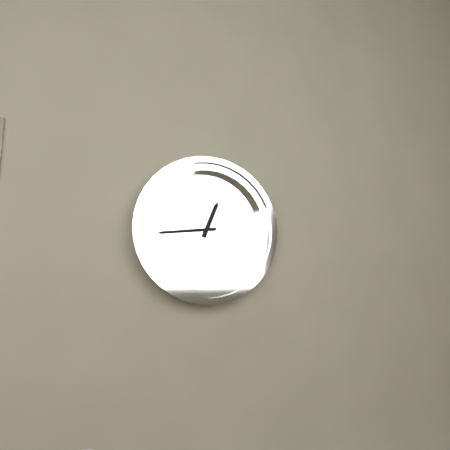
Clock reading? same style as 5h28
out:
12h44
